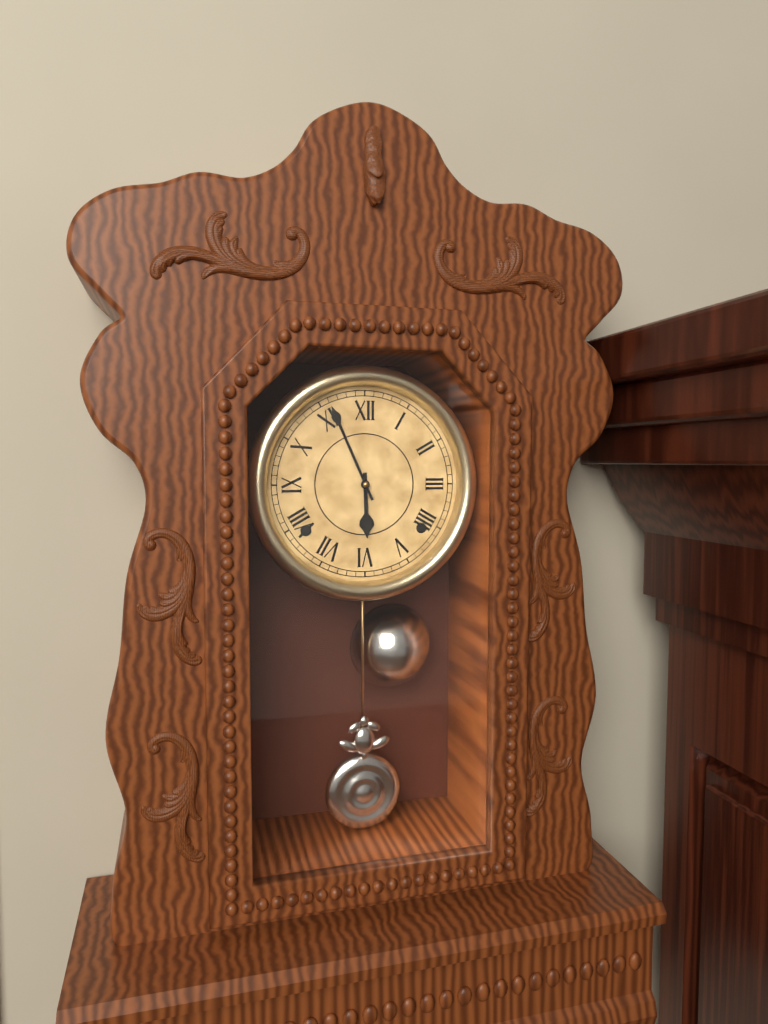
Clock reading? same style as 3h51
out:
5h56
